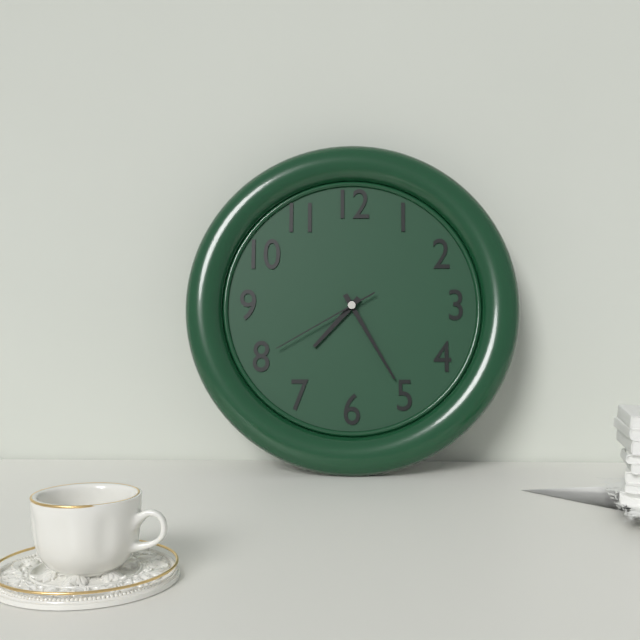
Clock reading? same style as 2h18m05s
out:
7h25m40s
